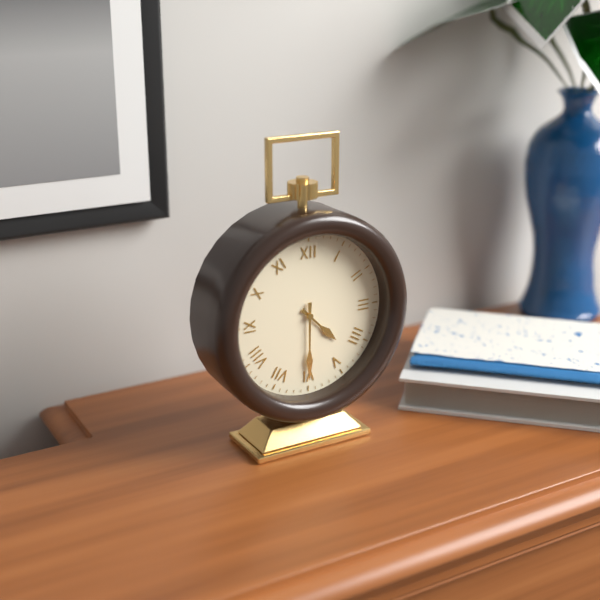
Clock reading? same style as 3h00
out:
4h30
